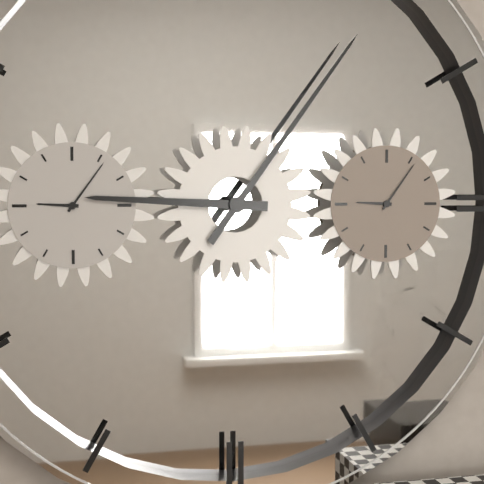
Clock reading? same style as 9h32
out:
9h06
